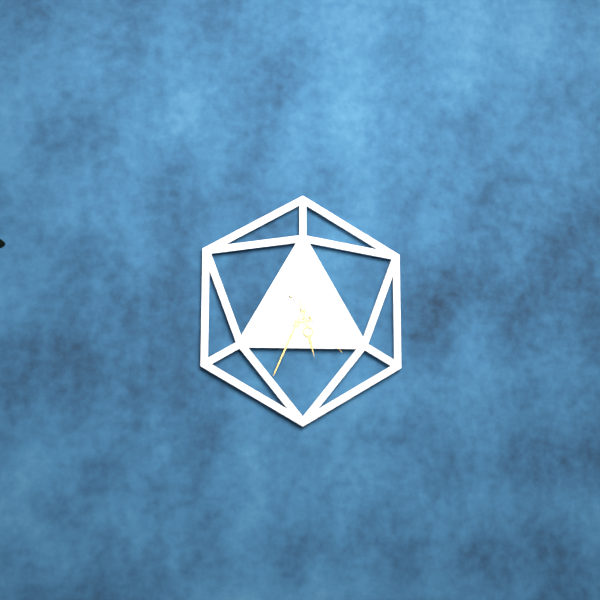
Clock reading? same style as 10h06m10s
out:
5h34m23s
